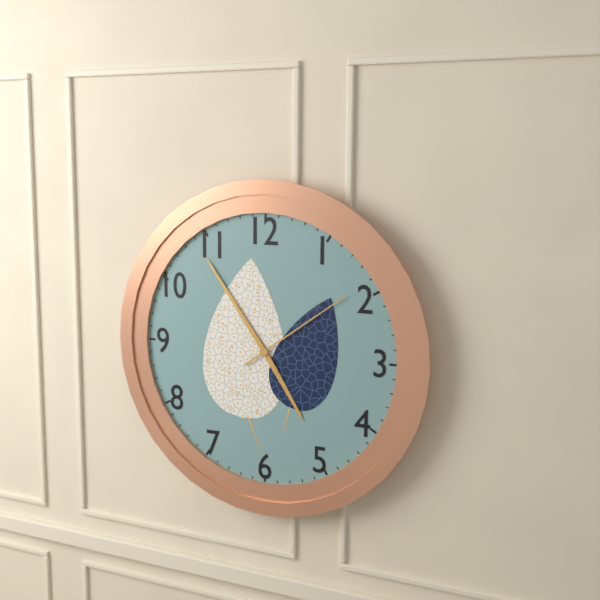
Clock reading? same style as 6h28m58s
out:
4h54m09s
